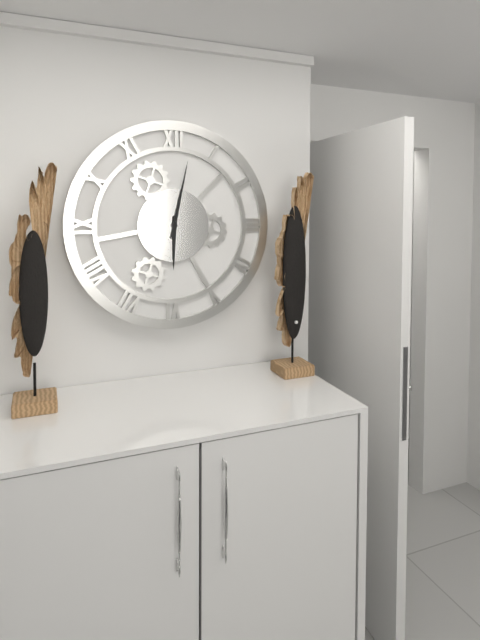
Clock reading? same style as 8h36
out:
6h02
